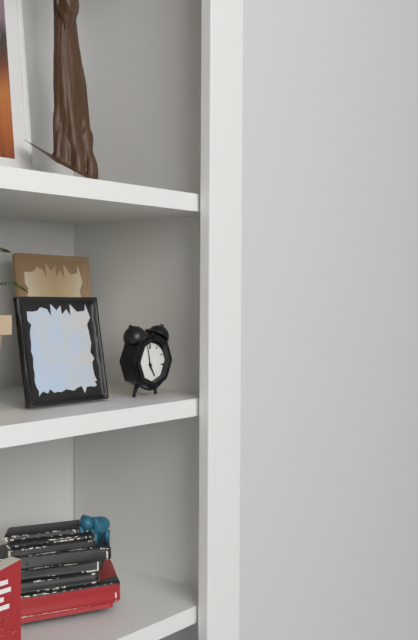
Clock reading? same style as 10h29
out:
4h58
